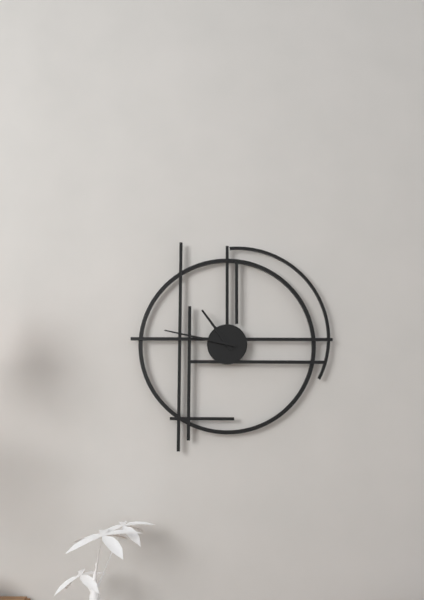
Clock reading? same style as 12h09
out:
10h47
